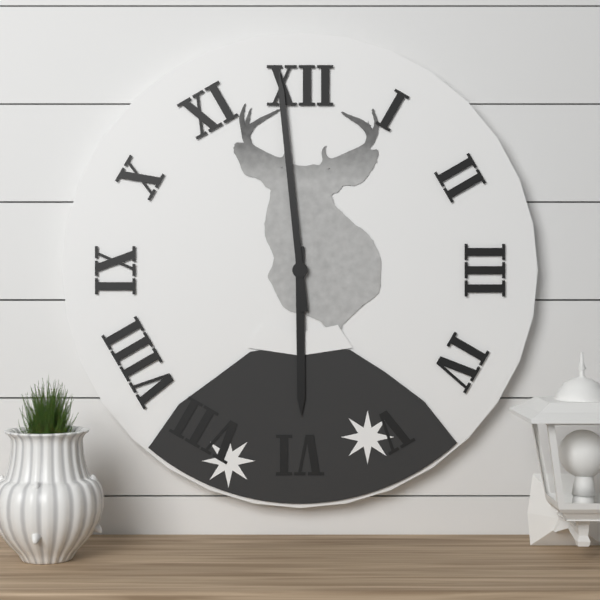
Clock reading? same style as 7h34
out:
5h59
